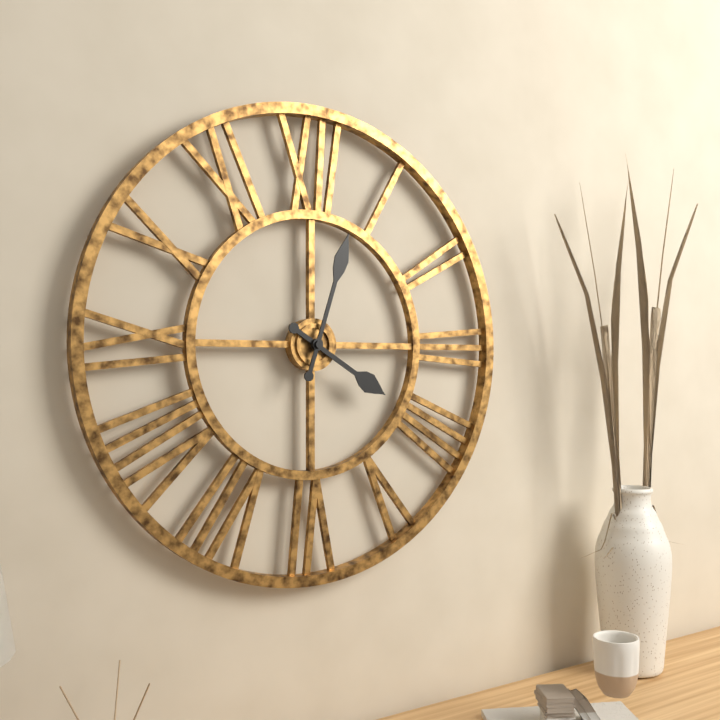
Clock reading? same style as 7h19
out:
4h03
